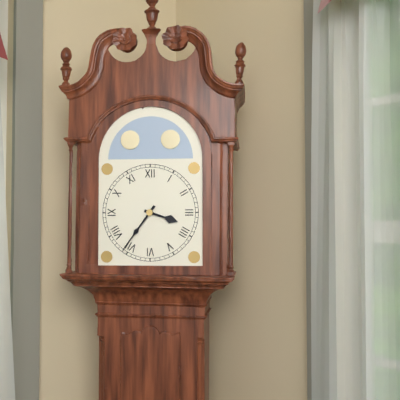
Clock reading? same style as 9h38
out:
3h36
